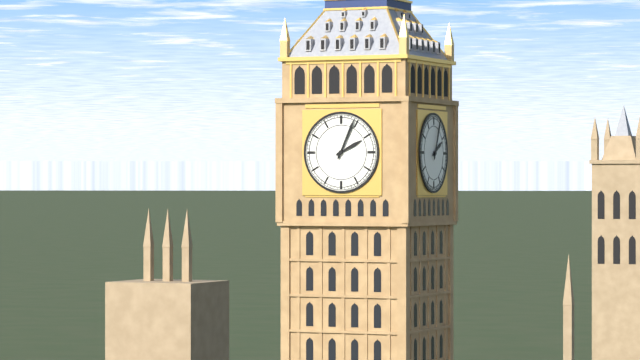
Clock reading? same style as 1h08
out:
2h04
